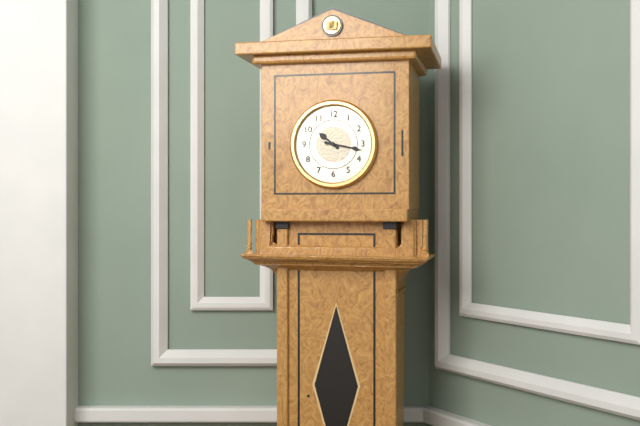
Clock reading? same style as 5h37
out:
10h17
